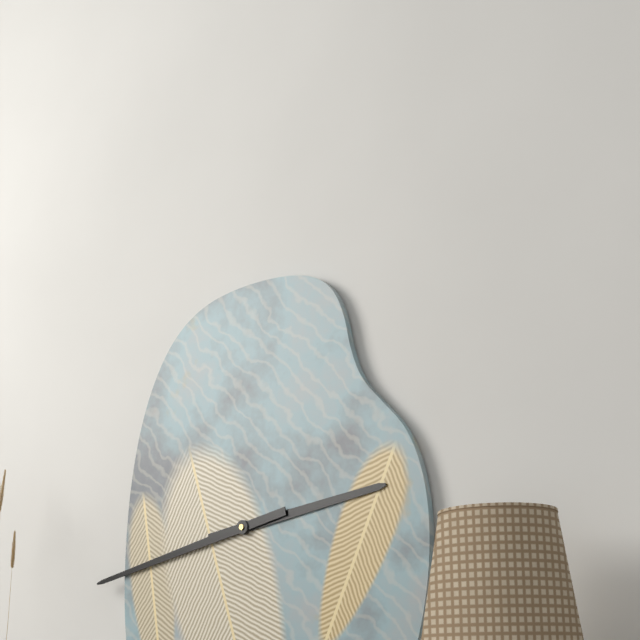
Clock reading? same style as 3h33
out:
2h43
